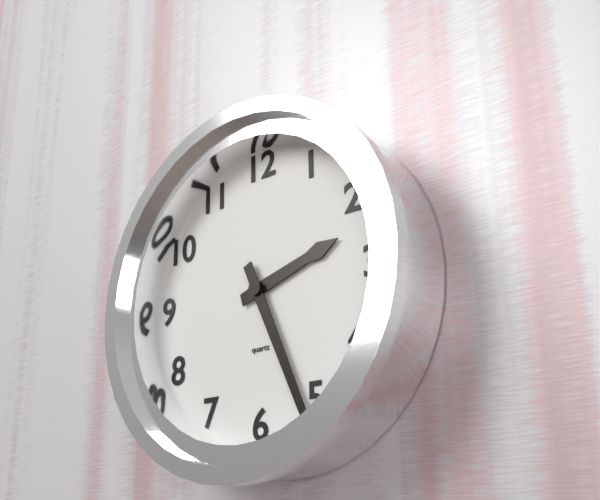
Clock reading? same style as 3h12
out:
2h26
